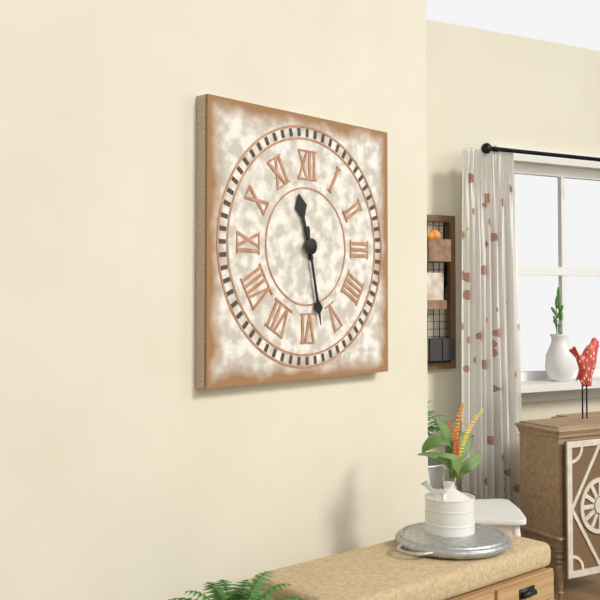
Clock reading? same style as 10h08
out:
11h28
